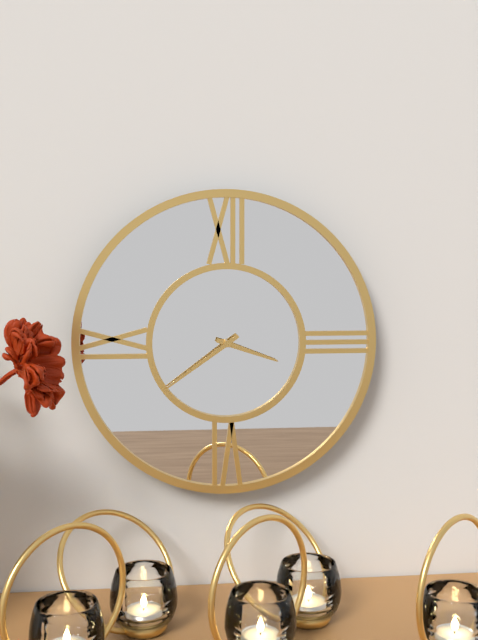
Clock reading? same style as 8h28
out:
3h39
